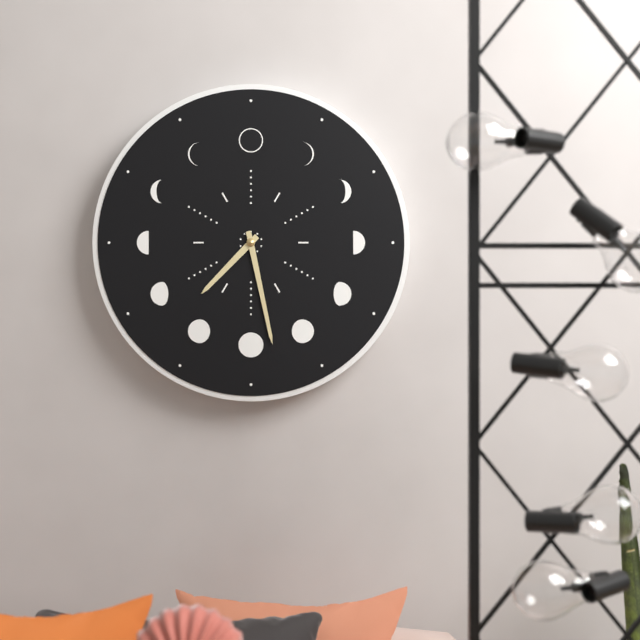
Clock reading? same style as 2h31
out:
7h28
